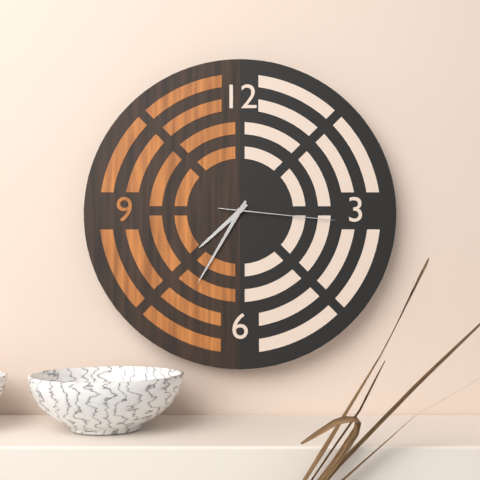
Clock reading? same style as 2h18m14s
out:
7h35m16s
